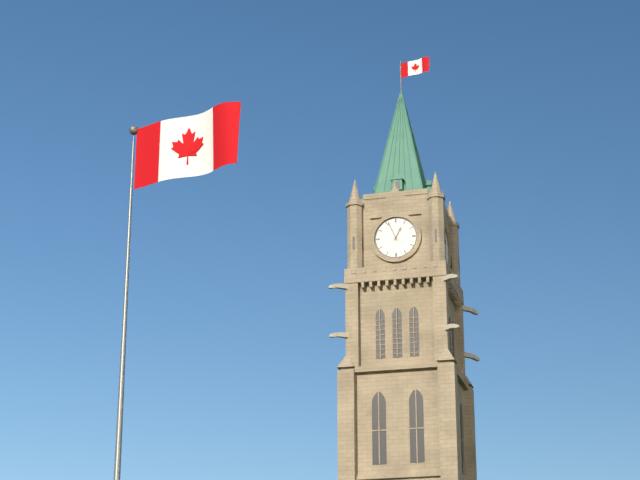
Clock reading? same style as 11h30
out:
12h56
